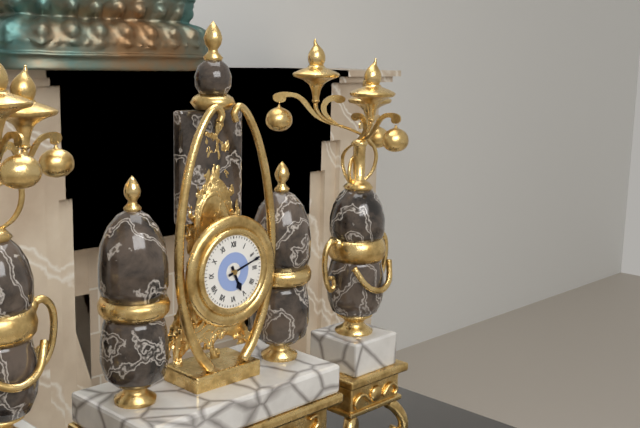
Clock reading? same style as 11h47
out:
5h12
